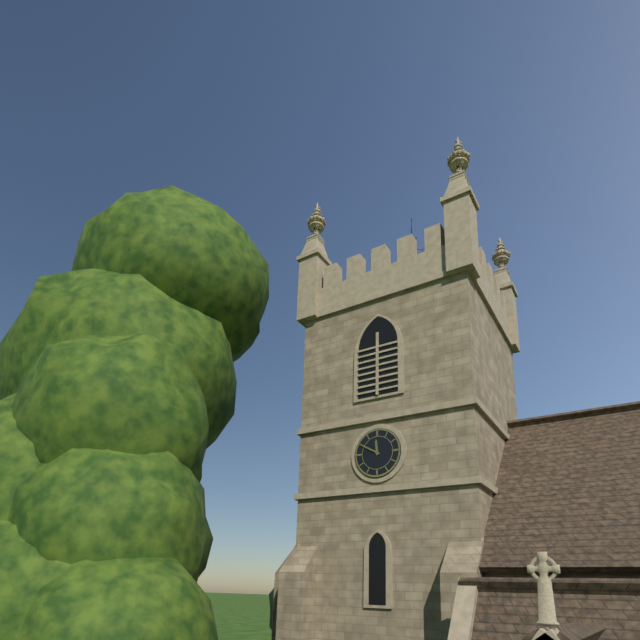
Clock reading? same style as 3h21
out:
11h50
